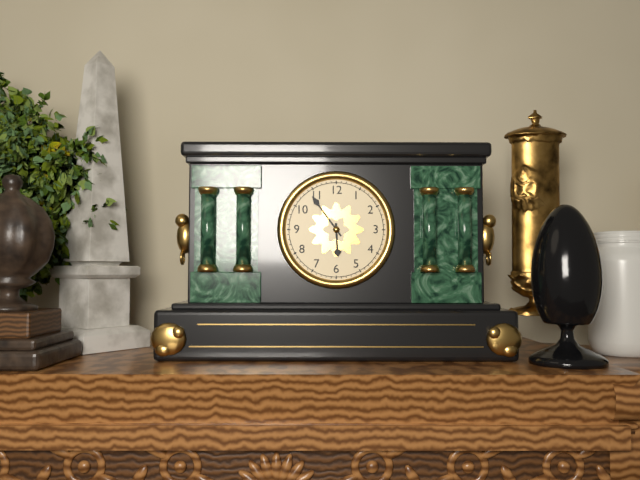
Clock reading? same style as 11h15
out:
5h54
